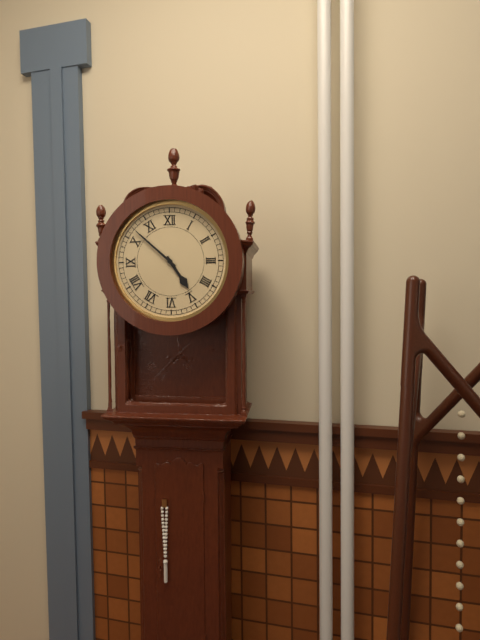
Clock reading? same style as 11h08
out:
4h52
